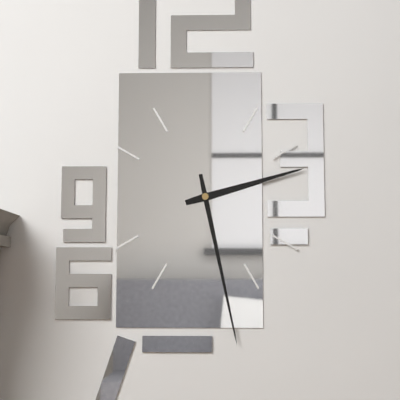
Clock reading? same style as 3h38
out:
2h28
